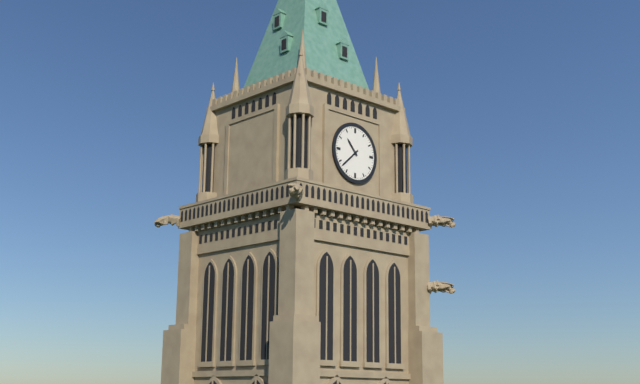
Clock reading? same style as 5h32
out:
10h38
